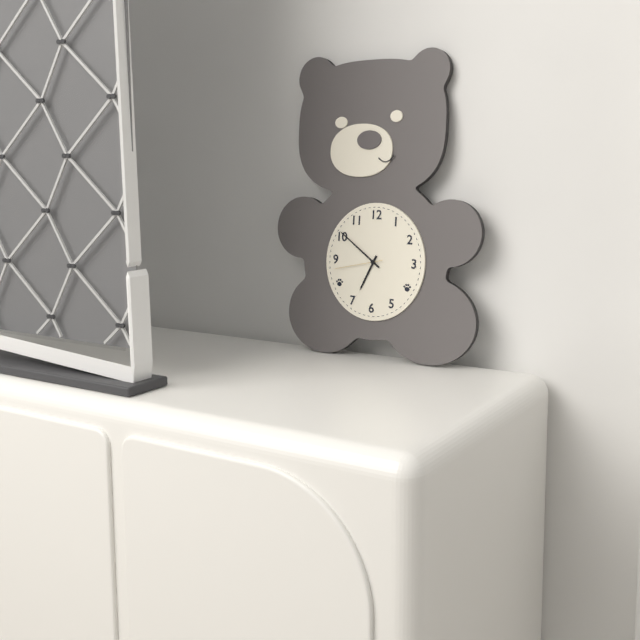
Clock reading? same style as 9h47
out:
6h51
